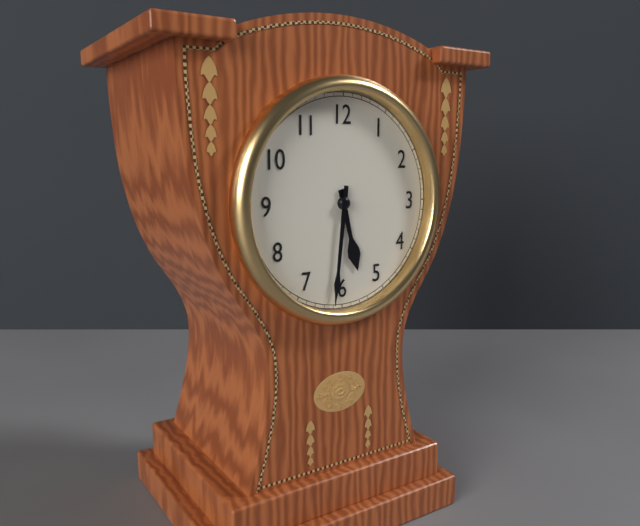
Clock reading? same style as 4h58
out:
5h31
